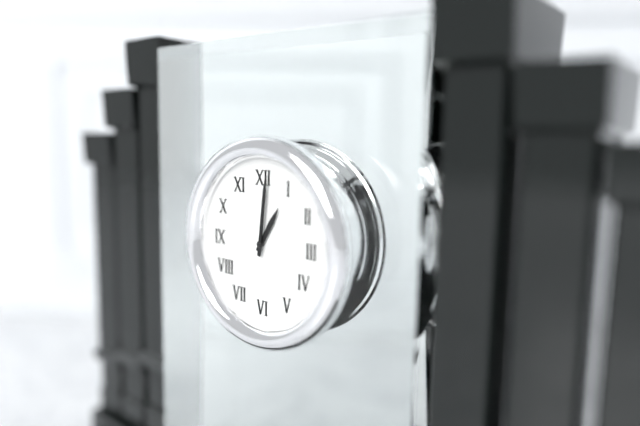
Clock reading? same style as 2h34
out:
1h01
